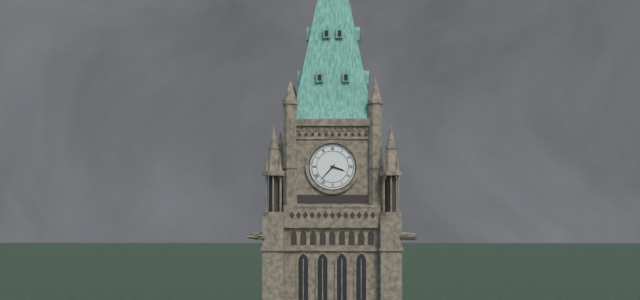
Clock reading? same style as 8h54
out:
3h37
